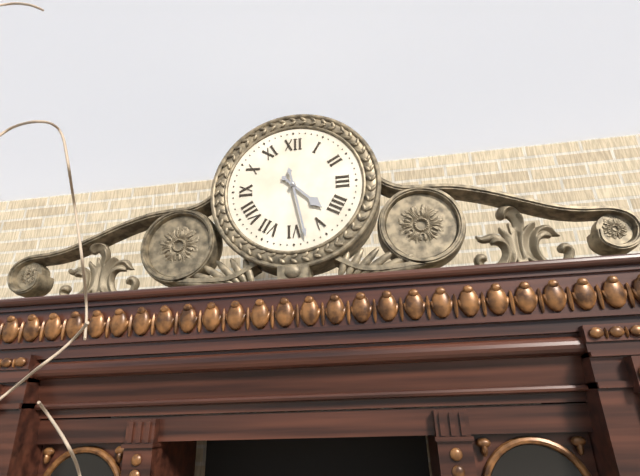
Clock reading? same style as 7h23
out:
4h28
